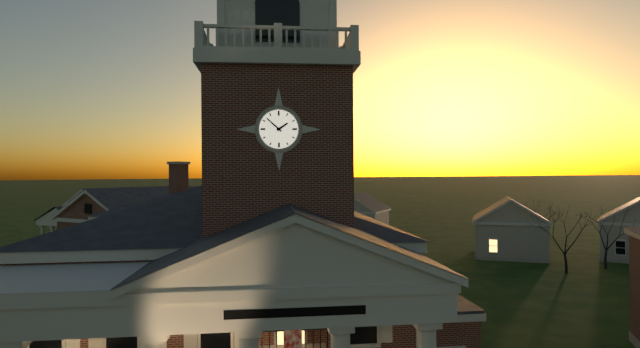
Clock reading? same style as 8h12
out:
1h52
